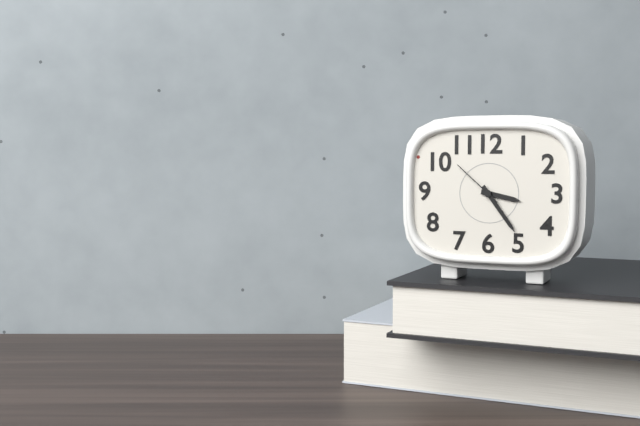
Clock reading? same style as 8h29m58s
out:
3h24m52s
